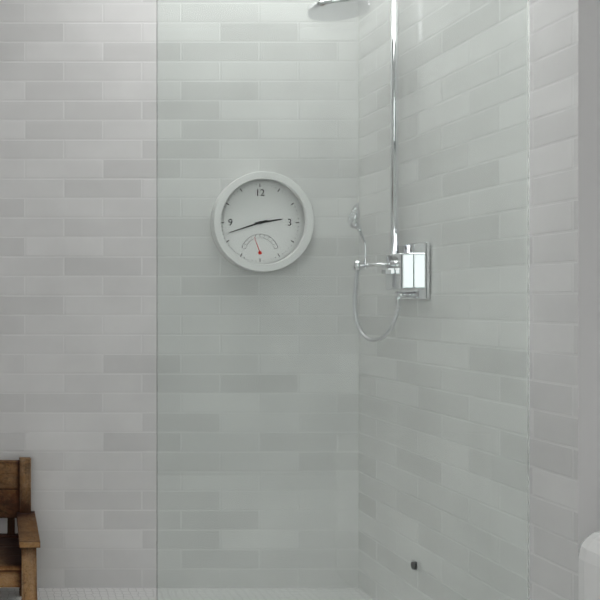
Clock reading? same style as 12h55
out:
2h42
